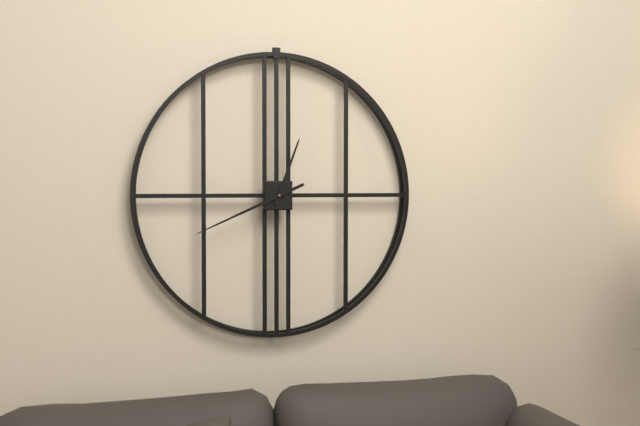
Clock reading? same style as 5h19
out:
12h41
